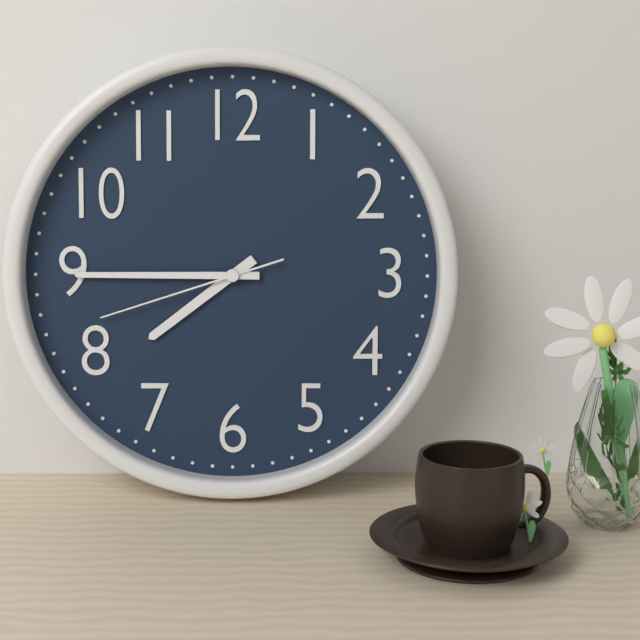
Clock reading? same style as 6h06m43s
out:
7h45m42s
